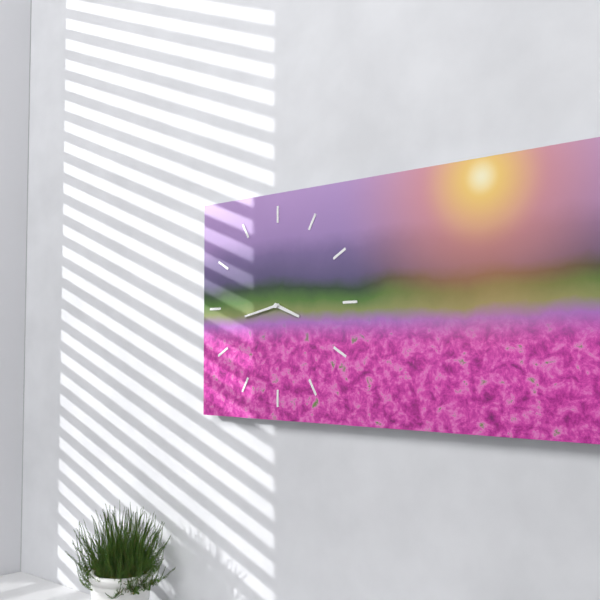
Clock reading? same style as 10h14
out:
3h43
